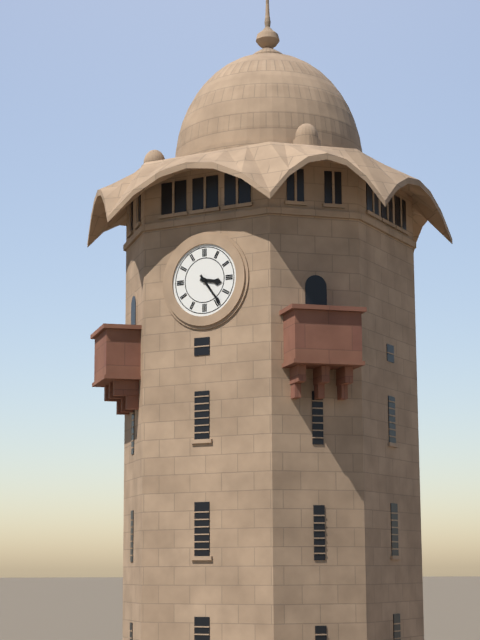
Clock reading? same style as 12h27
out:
3h24
